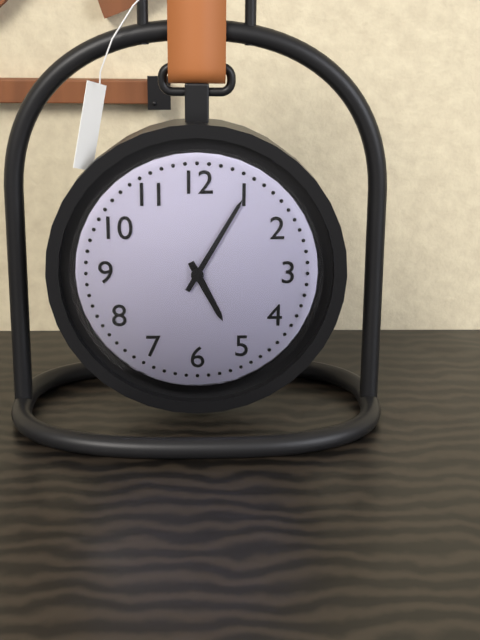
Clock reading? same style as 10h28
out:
5h05
